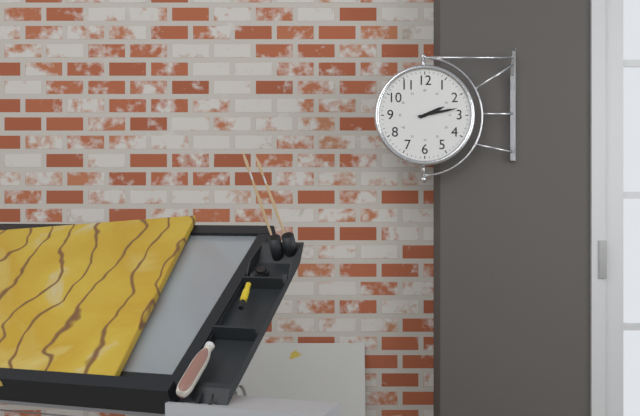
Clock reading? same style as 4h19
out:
2h13
